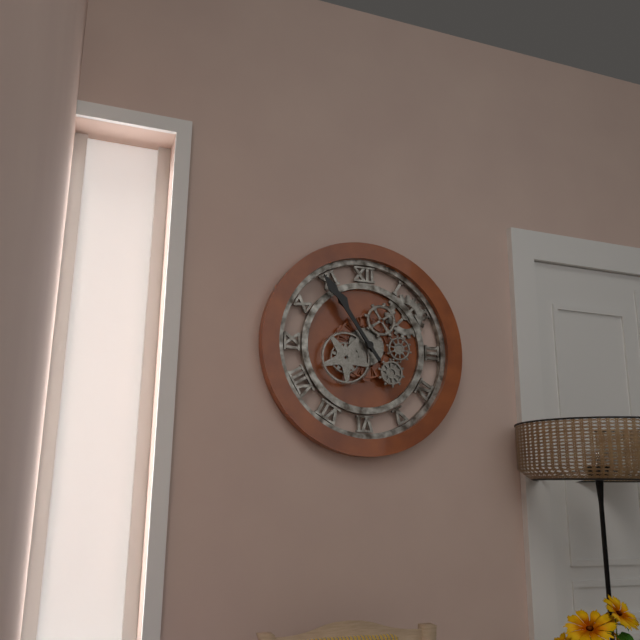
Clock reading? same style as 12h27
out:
10h54
